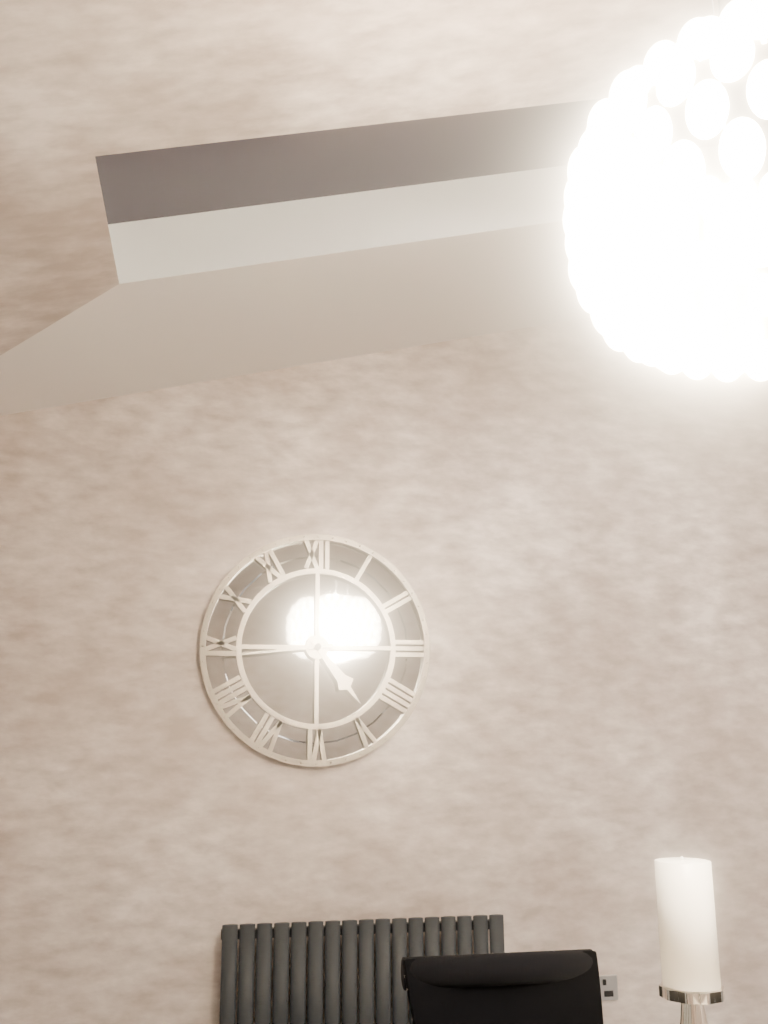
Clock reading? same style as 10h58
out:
4h44
